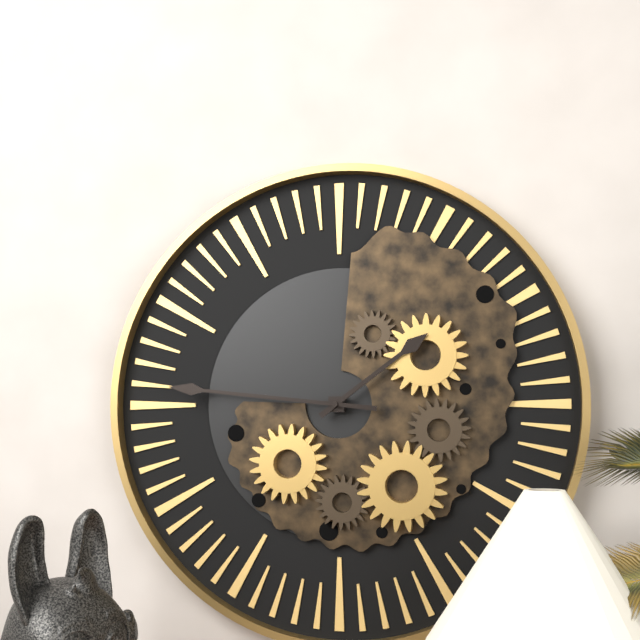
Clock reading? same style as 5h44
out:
1h46
